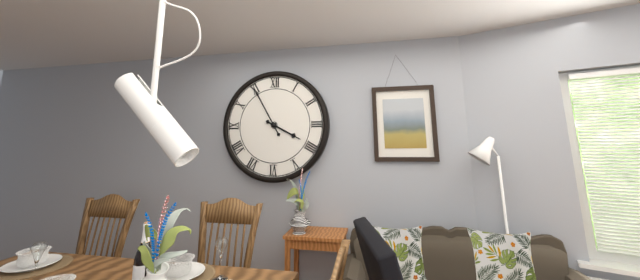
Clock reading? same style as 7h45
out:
3h55
